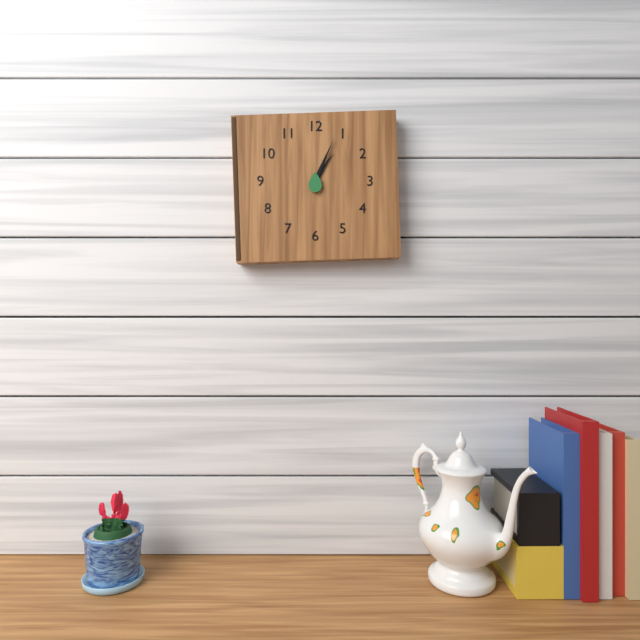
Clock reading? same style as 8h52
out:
1h04
